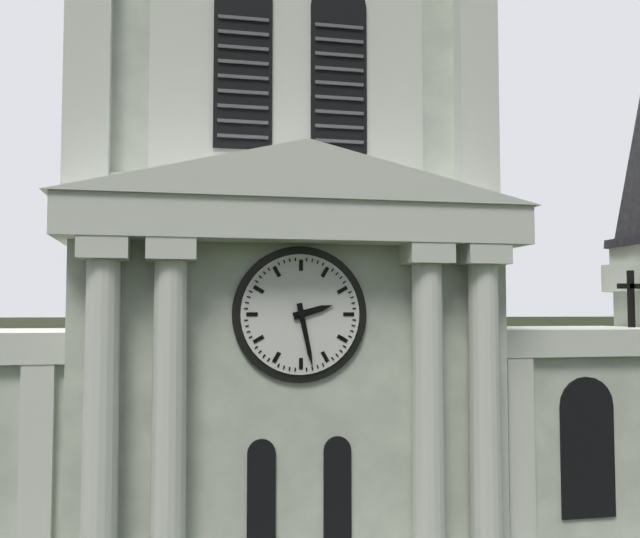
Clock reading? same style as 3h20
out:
2h28
